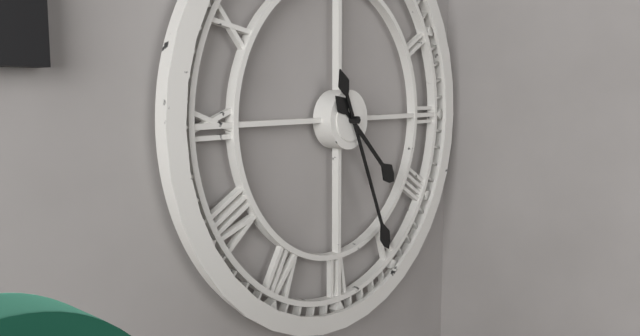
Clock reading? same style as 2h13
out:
4h26
